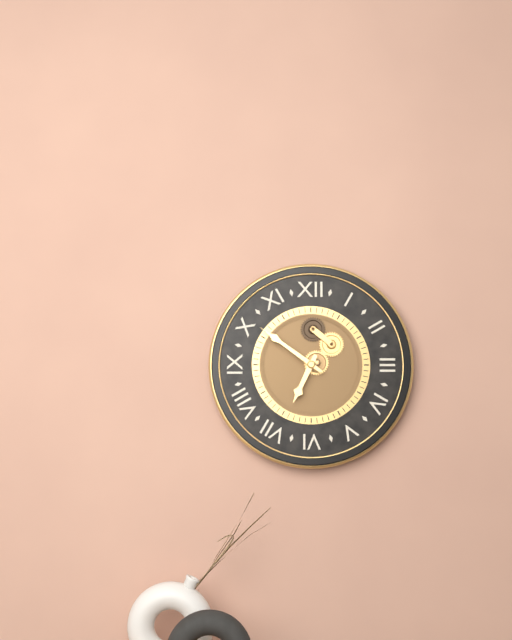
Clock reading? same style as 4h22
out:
6h51
